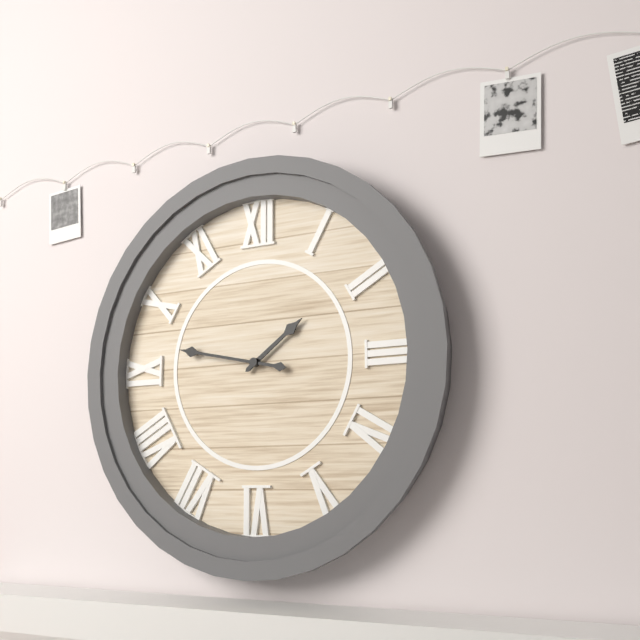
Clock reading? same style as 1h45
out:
1h47
